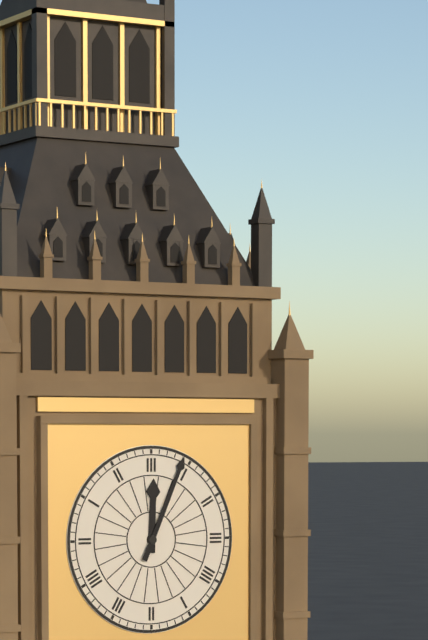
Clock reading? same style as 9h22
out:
12h04
